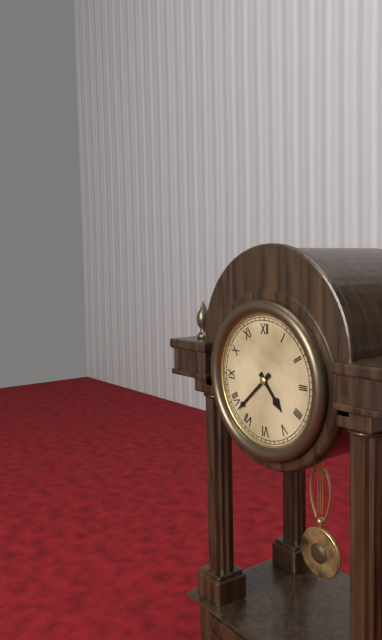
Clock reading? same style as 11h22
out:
4h38
